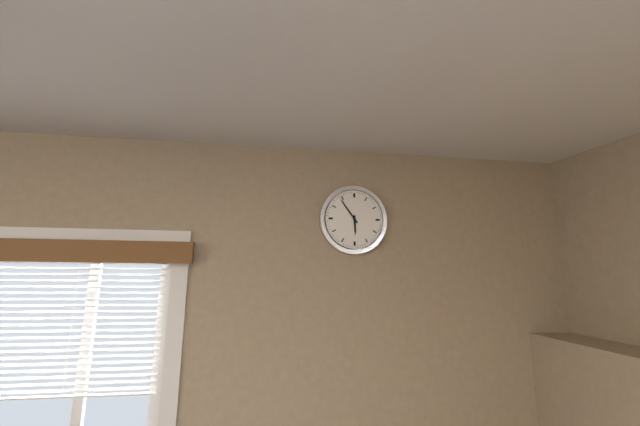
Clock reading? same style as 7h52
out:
5h54
